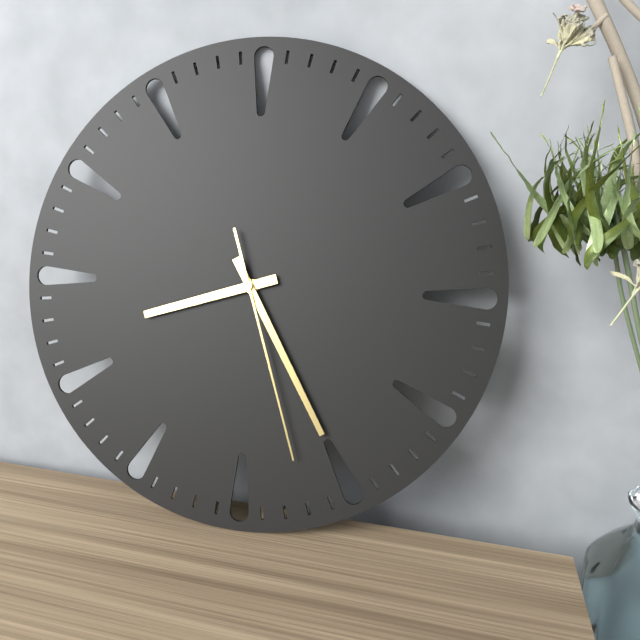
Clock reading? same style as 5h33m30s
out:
8h25m27s
